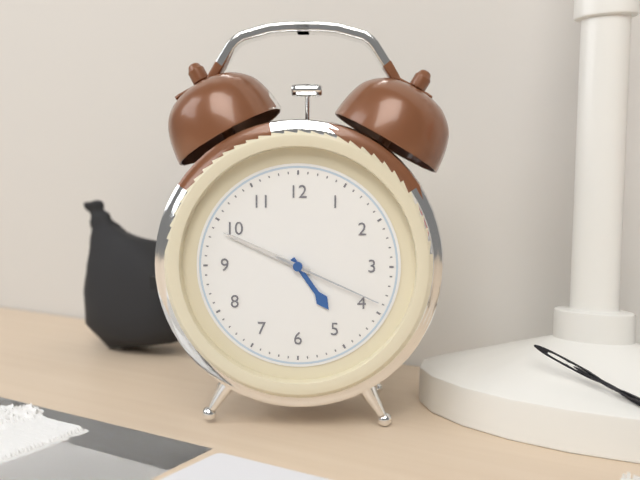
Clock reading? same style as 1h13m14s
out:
4h49m19s
